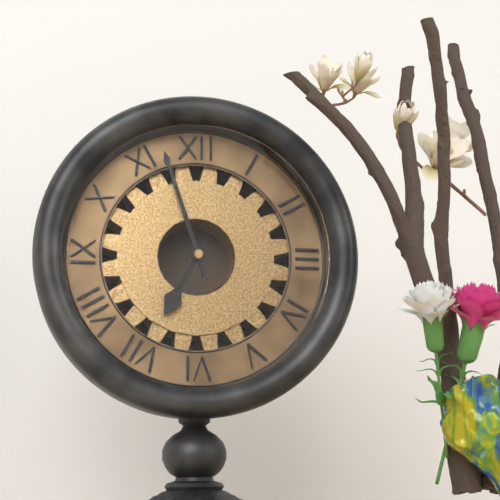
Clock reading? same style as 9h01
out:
6h57
